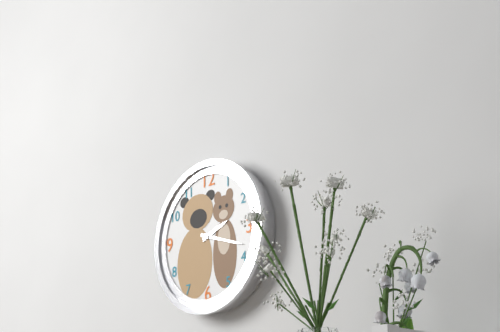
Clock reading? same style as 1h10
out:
2h18
